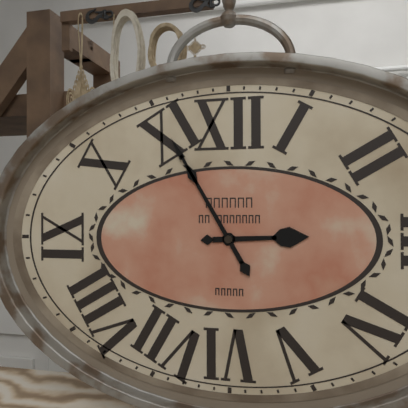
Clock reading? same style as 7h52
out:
2h55
